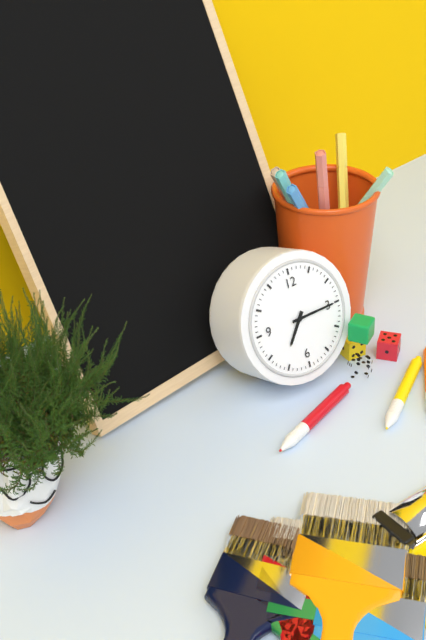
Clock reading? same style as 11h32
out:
7h15
